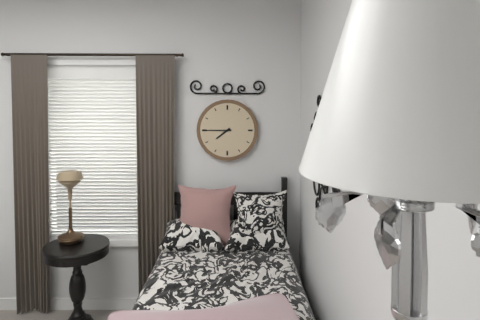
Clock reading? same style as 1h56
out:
7h45
